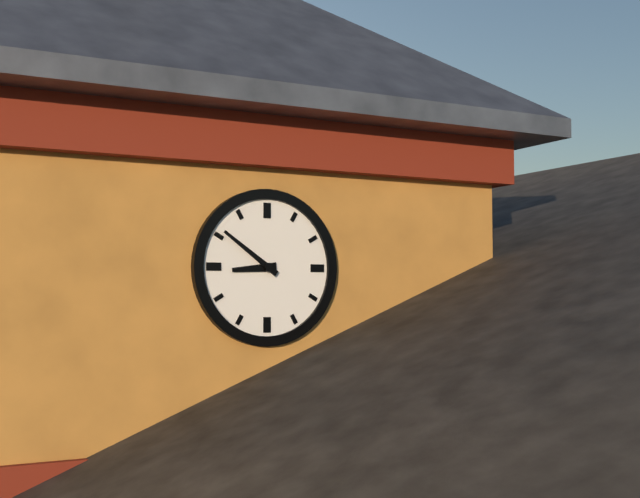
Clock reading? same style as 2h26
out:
8h51
